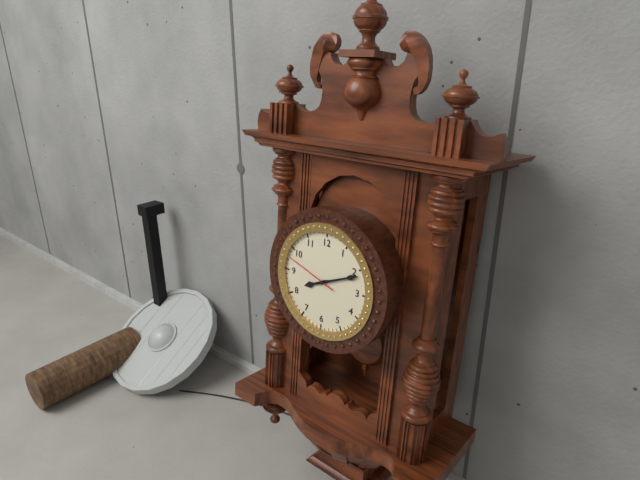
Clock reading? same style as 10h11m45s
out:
8h11m48s
